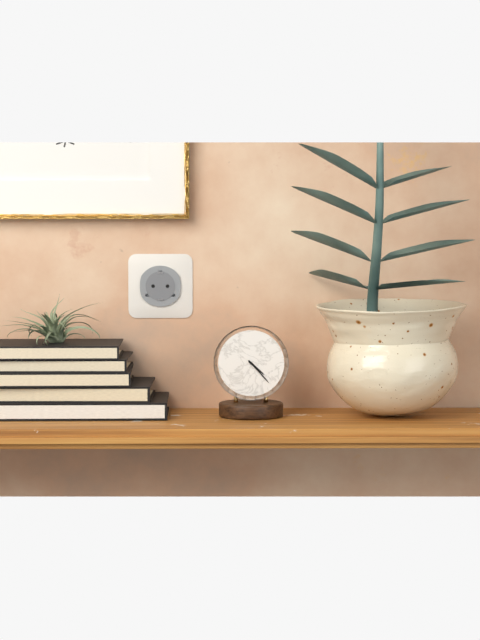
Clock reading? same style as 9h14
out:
4h23
